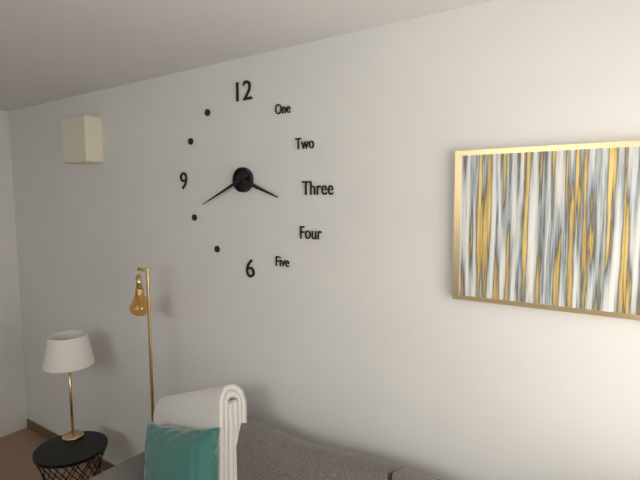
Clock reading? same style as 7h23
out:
3h41
